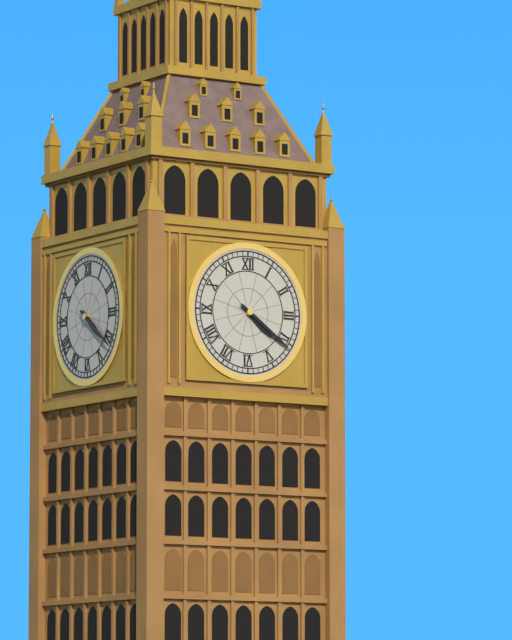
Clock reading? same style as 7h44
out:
4h21
